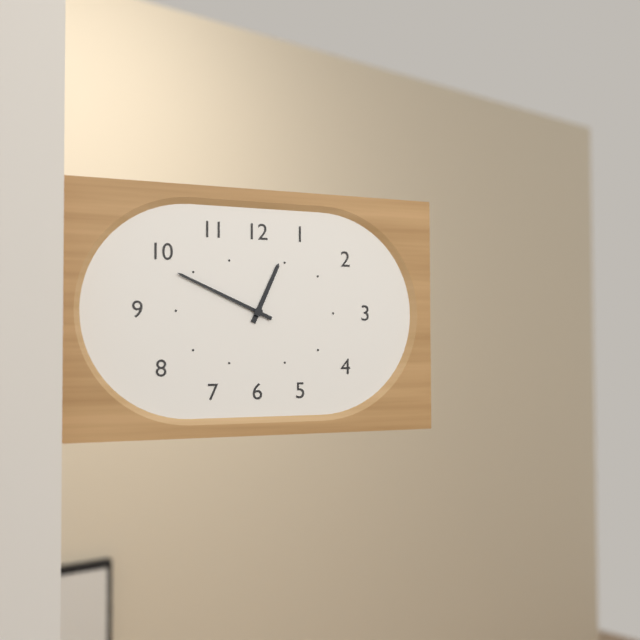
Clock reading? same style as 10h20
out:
12h49
